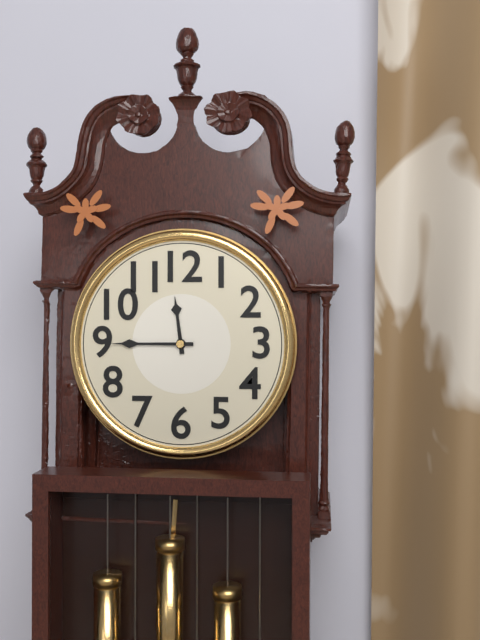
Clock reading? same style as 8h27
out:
11h45
